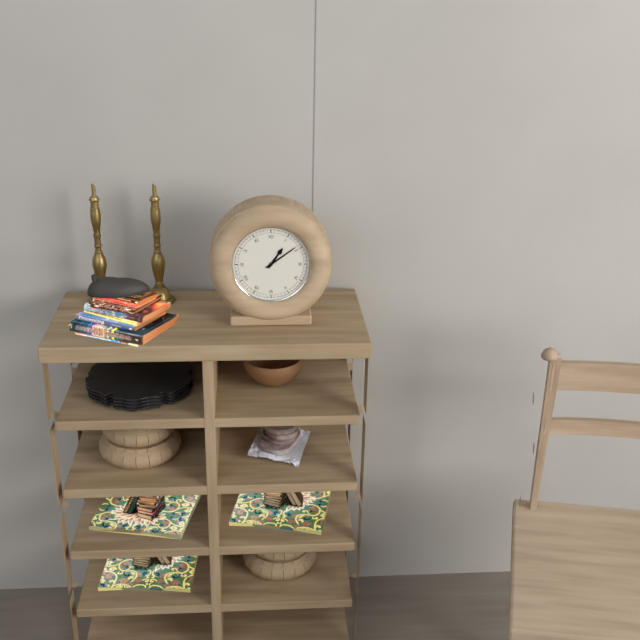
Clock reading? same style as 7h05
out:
1h09
